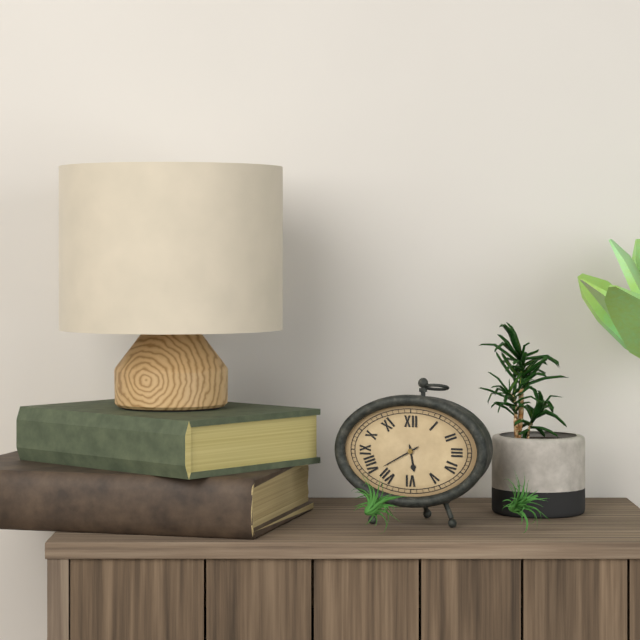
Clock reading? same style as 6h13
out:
5h40
